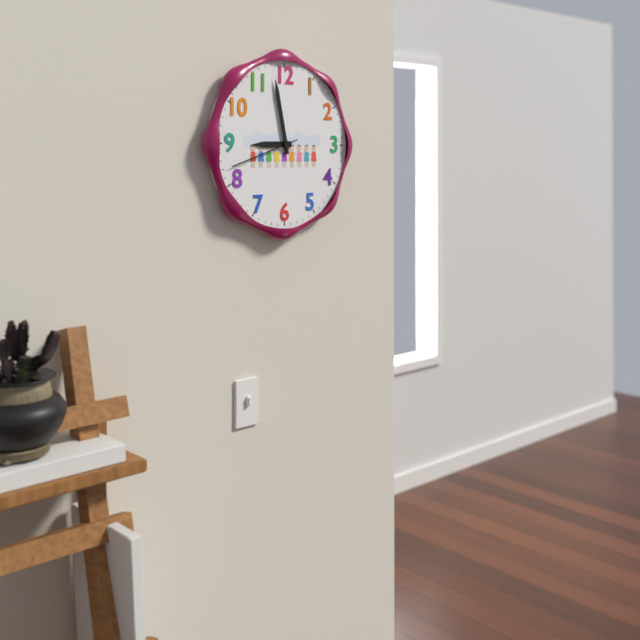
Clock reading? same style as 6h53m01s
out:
8h58m42s
